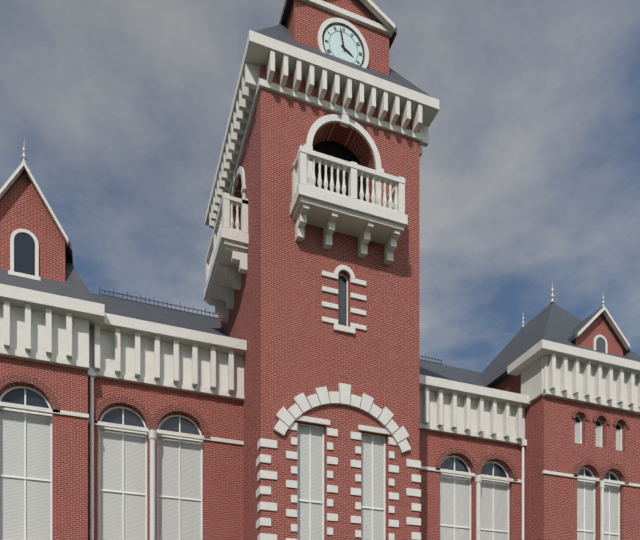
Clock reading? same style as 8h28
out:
3h58
